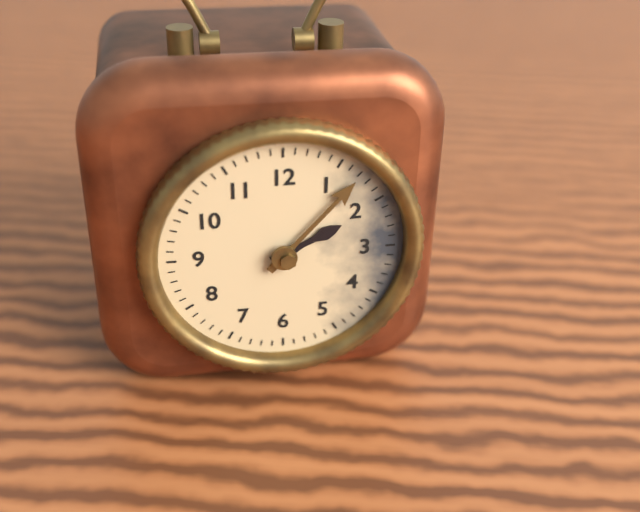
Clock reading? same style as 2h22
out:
2h07
